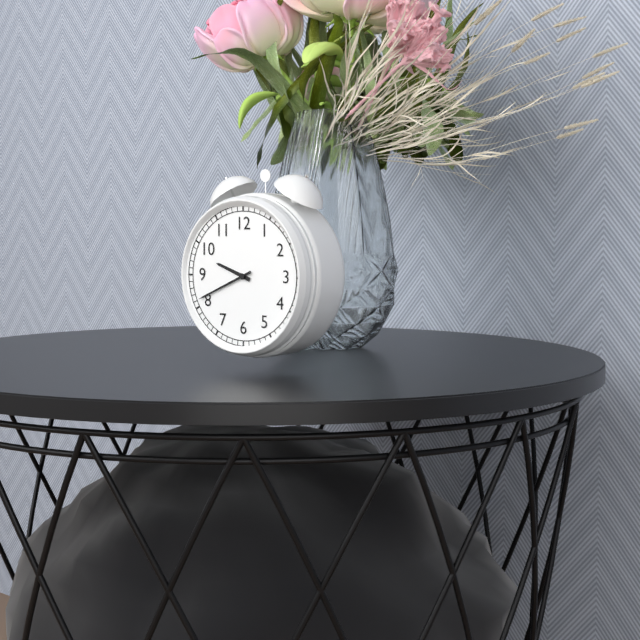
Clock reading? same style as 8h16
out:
9h41
